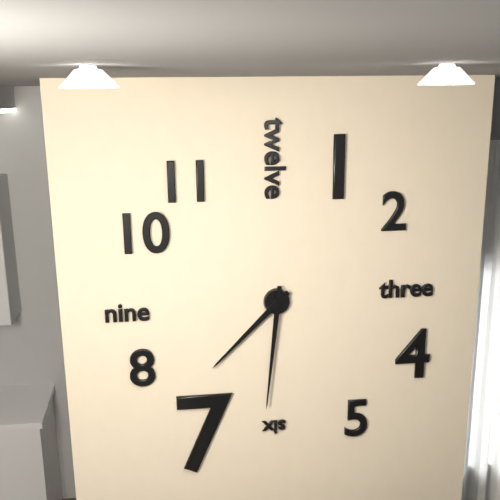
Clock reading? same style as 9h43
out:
7h31
